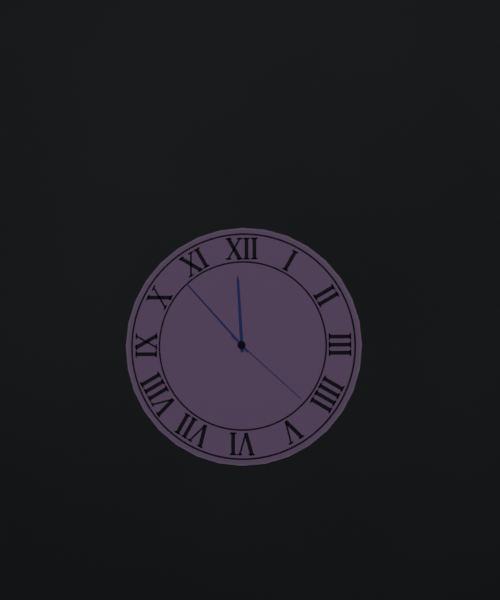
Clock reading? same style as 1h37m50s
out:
11h53m22s
